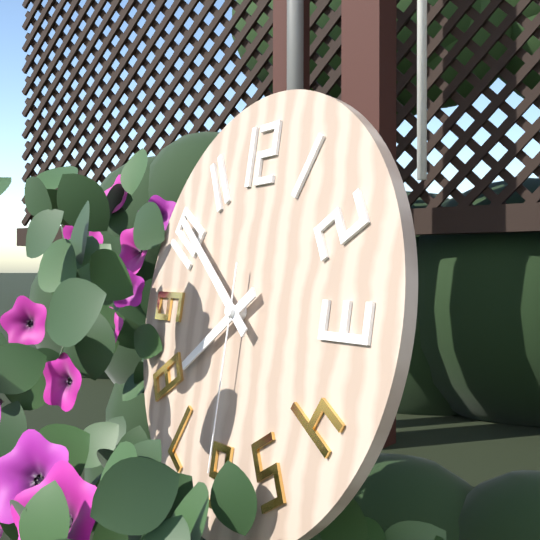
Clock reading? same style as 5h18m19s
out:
7h51m30s
